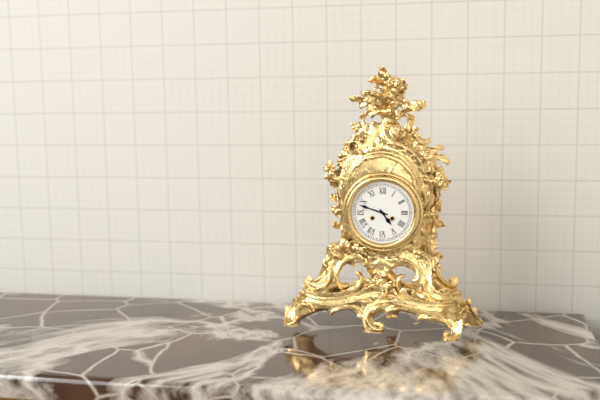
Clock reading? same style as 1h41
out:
4h48
